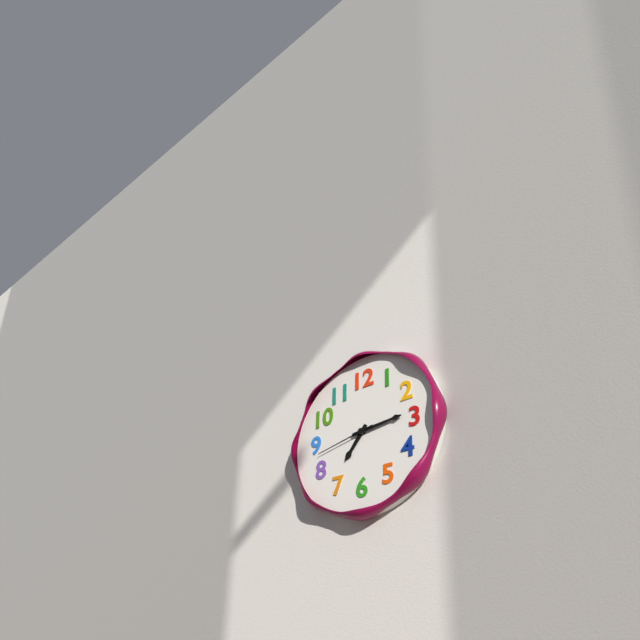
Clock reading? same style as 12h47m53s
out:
7h14m43s
